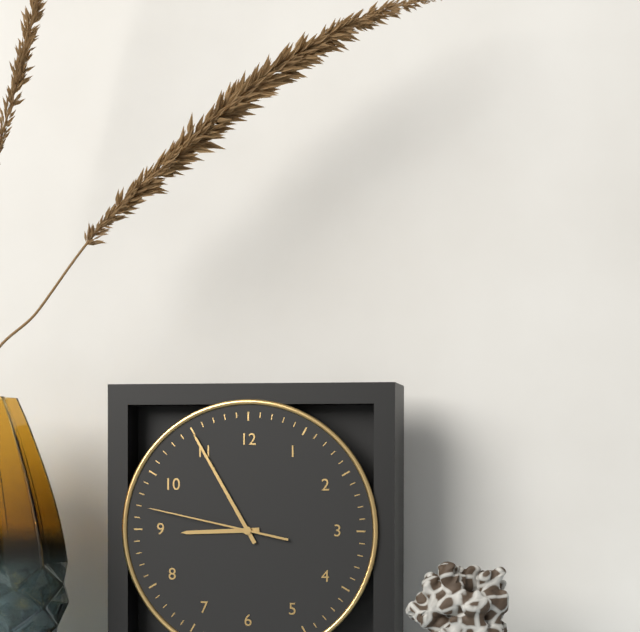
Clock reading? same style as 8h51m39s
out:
8h55m47s
